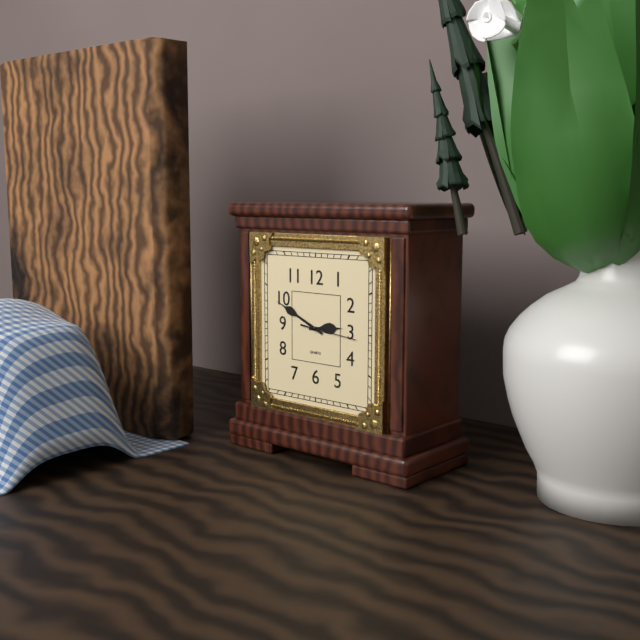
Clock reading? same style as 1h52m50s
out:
2h49m16s
